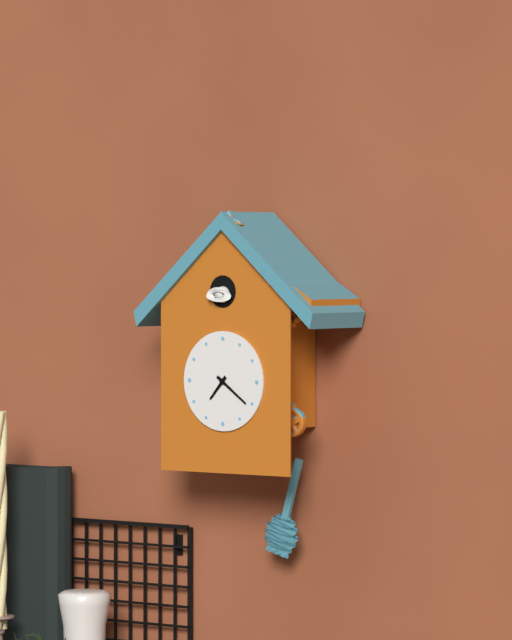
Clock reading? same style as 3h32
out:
7h21
